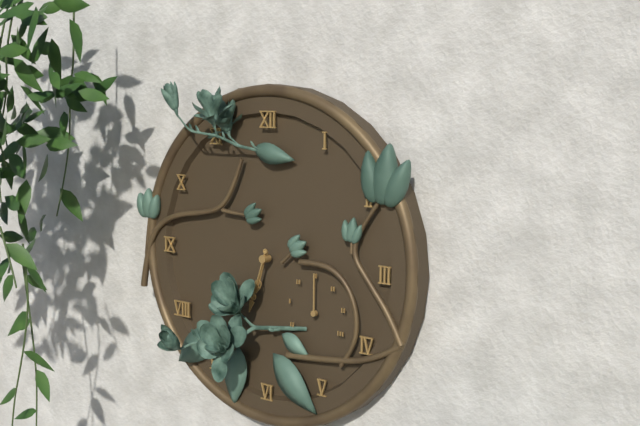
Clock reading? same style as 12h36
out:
6h33
